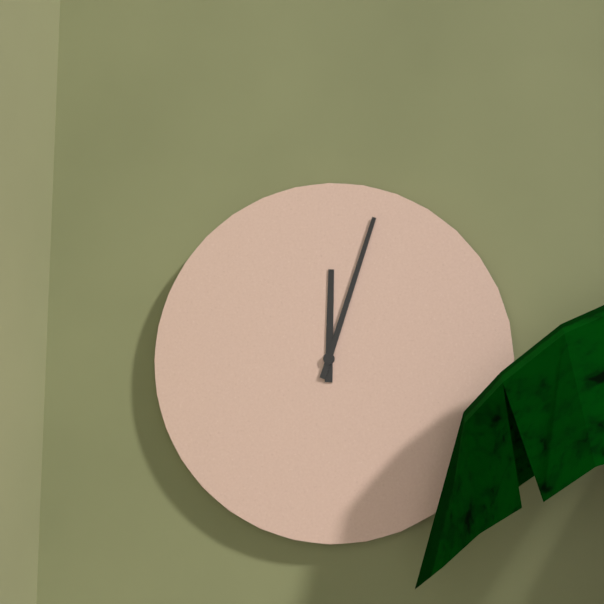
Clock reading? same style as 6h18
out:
12h03
